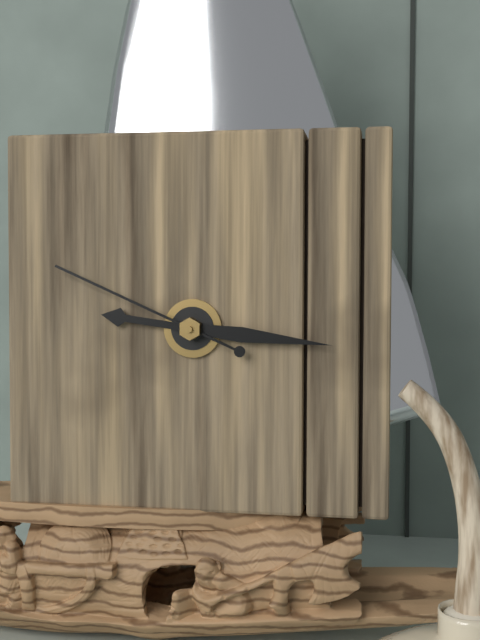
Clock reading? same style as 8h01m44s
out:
9h16m49s
